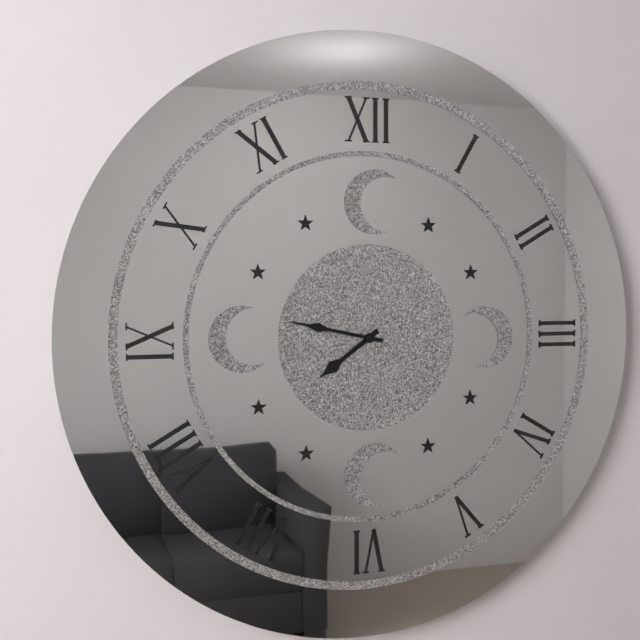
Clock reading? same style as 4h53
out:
7h47
